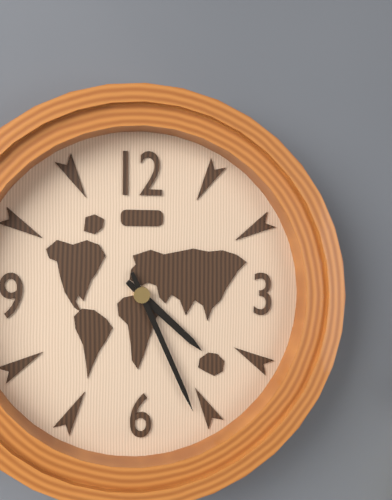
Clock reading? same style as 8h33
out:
4h26
